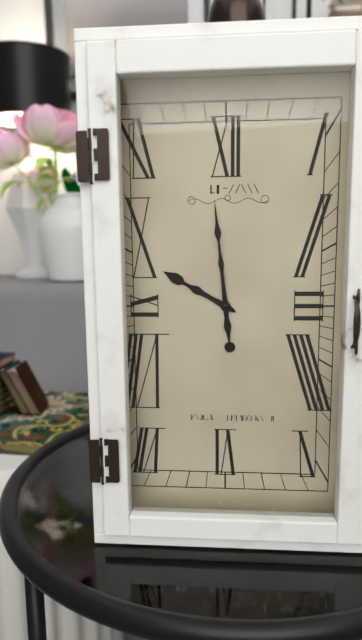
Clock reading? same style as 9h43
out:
9h59
